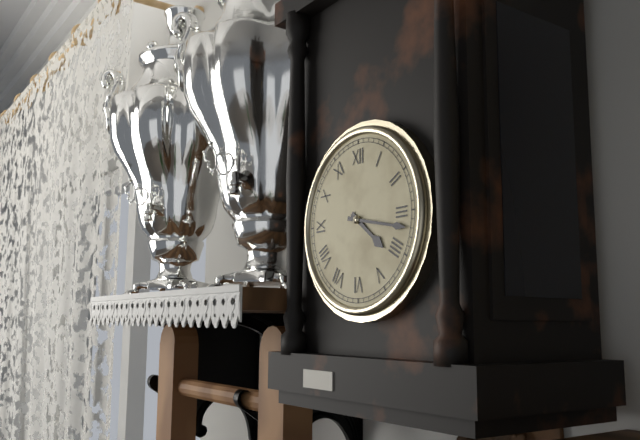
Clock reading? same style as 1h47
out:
4h17
